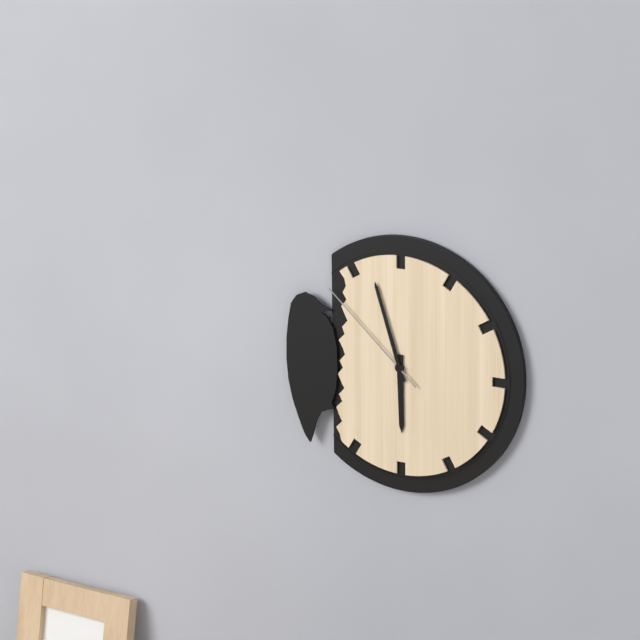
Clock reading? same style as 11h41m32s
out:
5h57m52s
